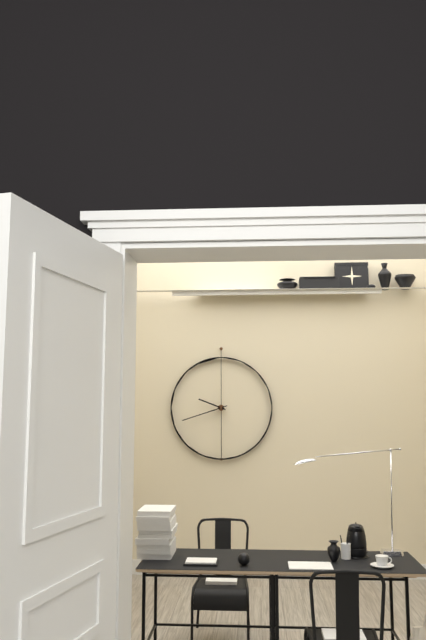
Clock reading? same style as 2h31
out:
9h42
